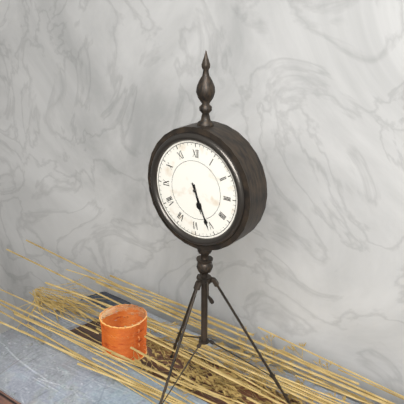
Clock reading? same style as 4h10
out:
5h26
